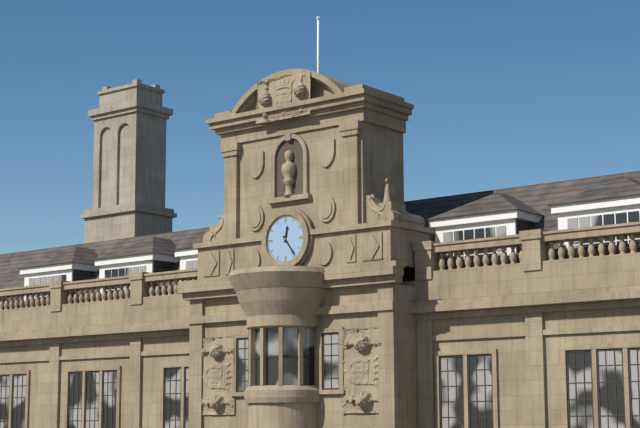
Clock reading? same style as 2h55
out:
12h24
